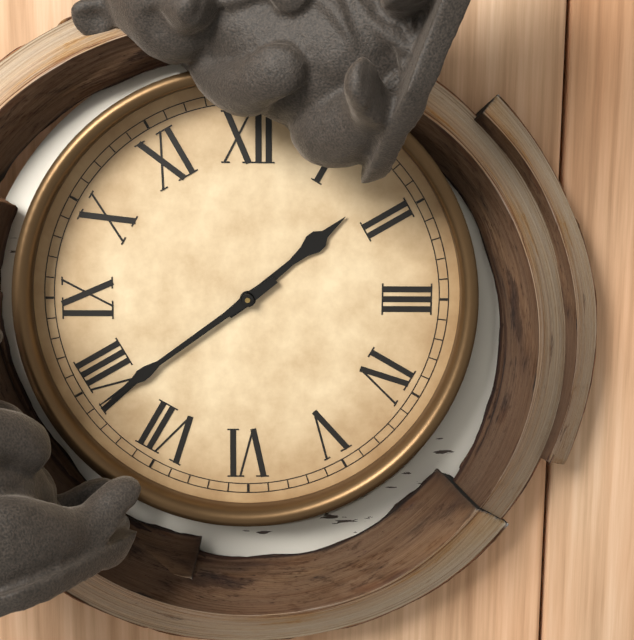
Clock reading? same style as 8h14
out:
1h39
